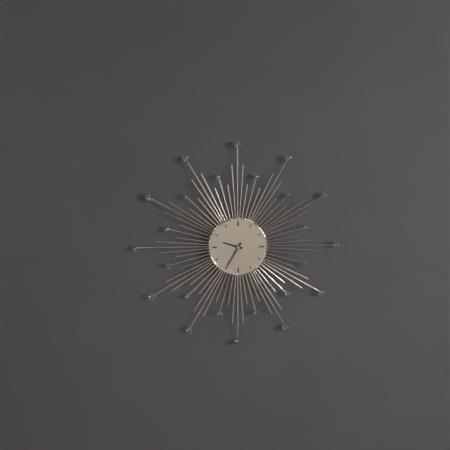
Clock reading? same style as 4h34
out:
9h35
